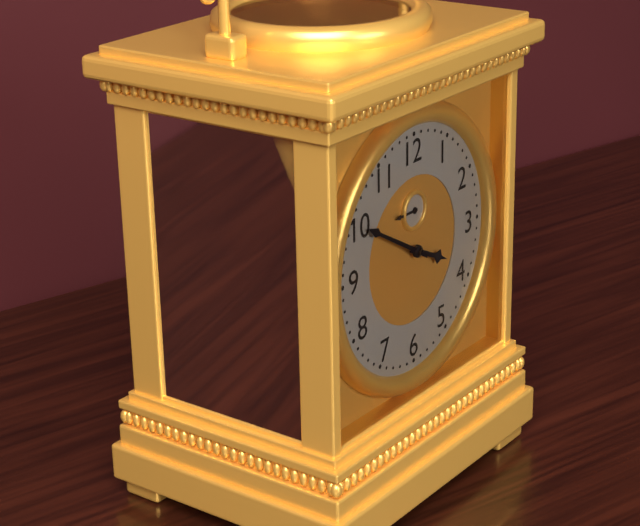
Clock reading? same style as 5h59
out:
3h50
